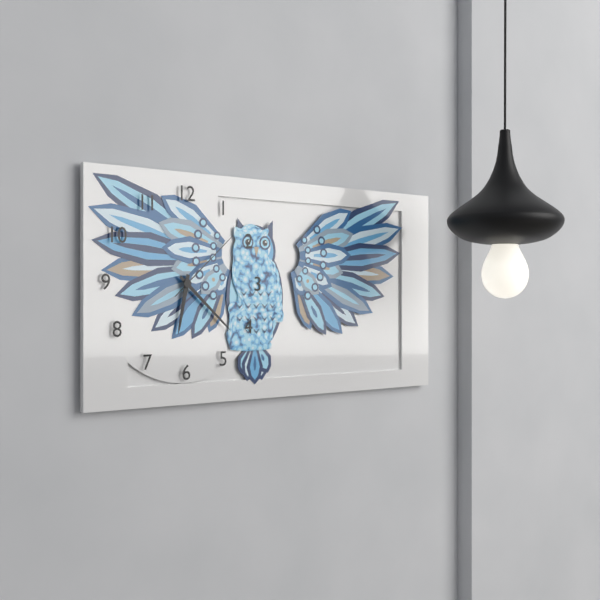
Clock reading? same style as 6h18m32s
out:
6h22m08s
